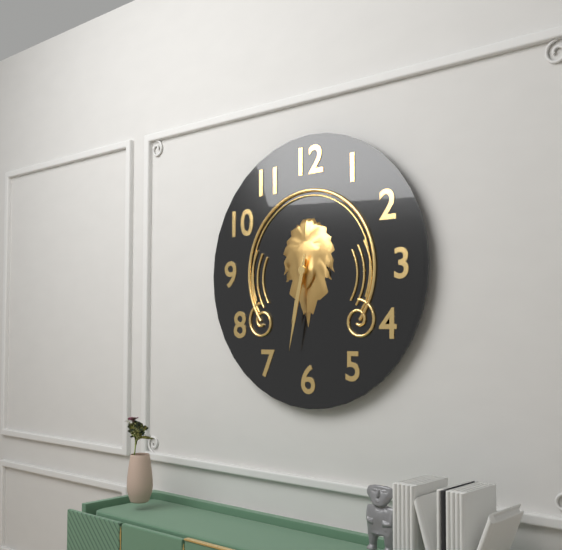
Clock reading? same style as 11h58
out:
6h32
